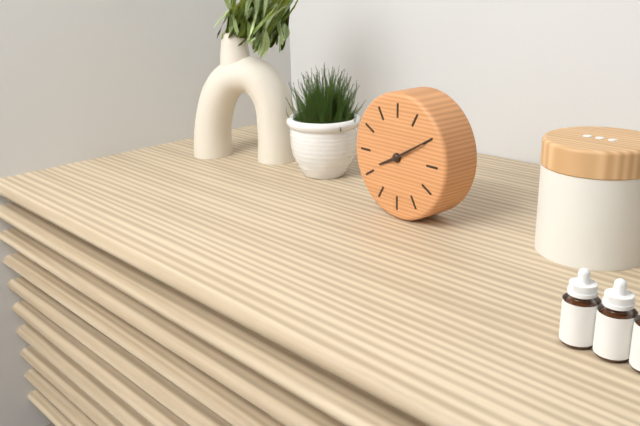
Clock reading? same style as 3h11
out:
8h10
